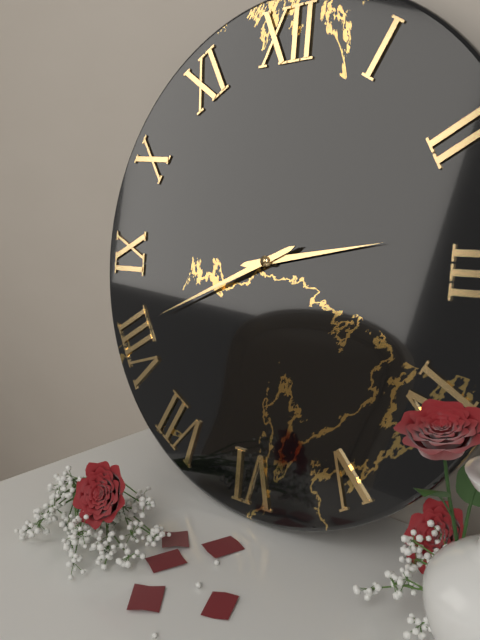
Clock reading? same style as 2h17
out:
2h41
